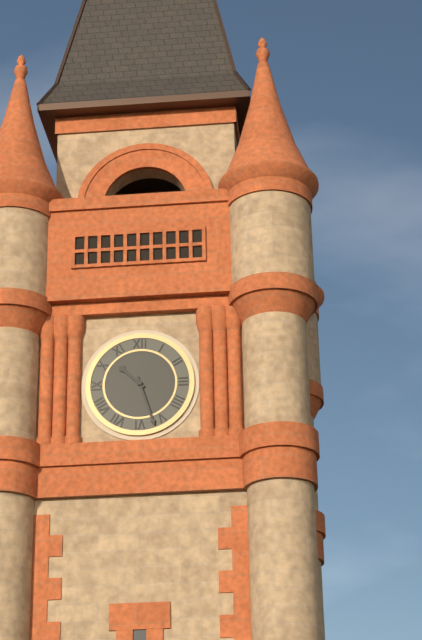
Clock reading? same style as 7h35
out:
10h27
